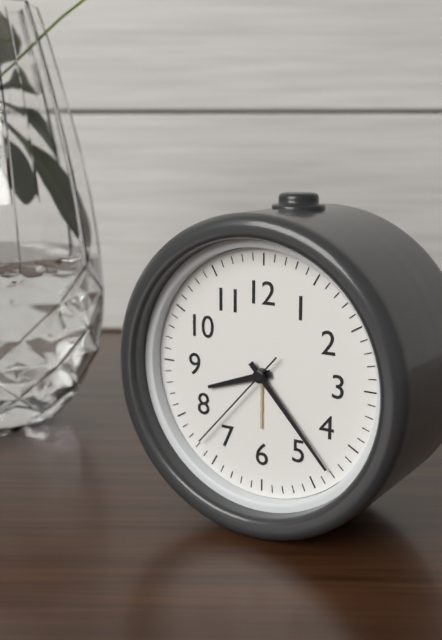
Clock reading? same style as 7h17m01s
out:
8h23m37s
